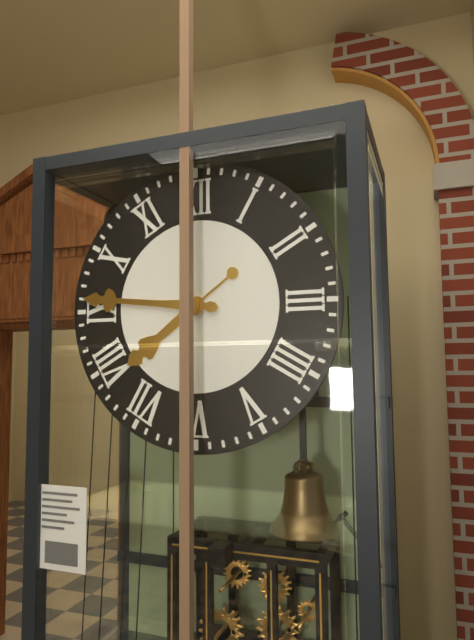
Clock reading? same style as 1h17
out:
7h46
